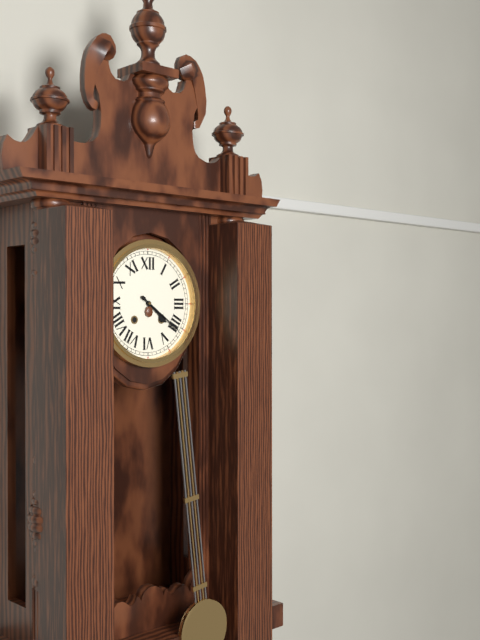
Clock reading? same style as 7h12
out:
4h21
